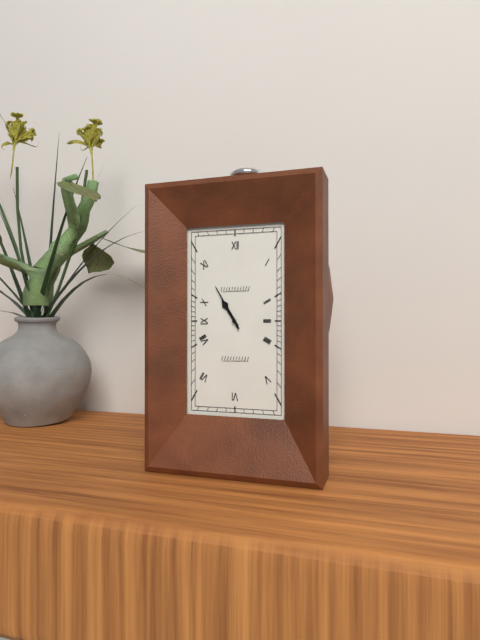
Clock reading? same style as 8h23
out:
10h55
